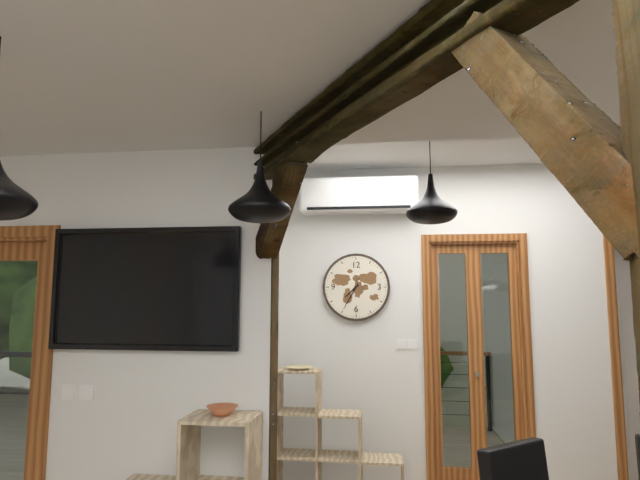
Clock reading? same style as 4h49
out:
7h35
